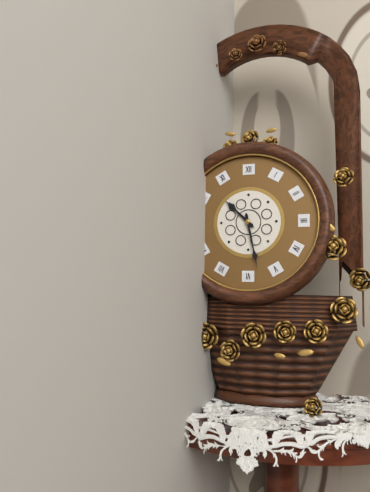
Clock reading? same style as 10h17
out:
10h28
